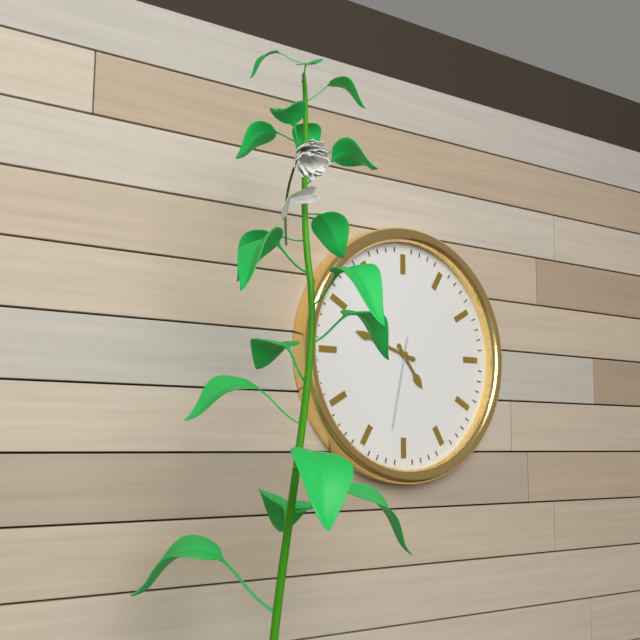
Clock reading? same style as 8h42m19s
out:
4h48m32s
